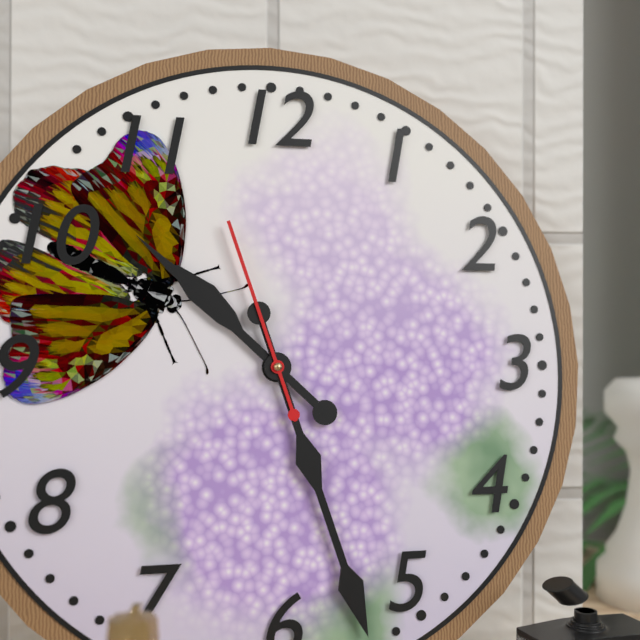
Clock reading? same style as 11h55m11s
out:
10h27m57s
